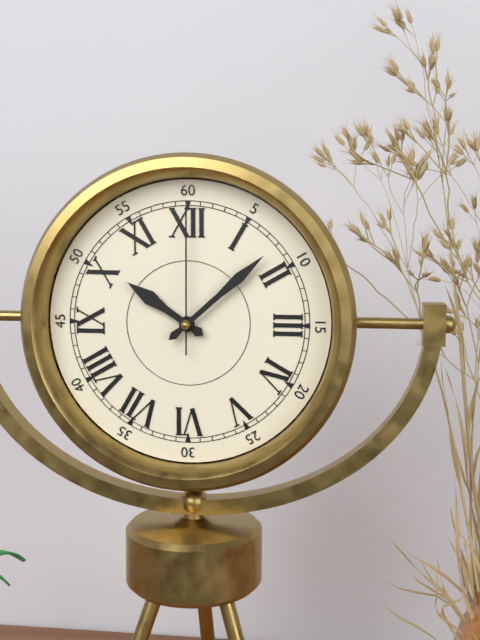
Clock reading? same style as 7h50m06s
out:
10h08m00s
